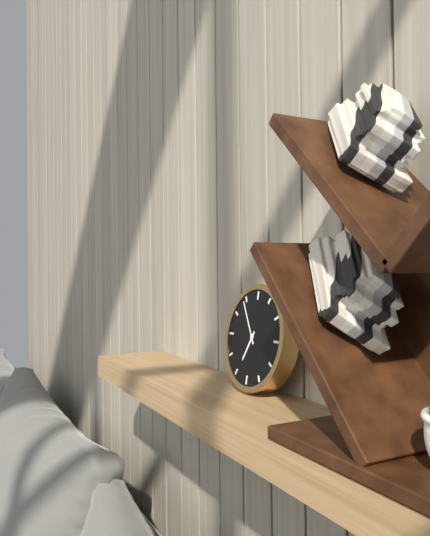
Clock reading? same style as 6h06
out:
6h54
